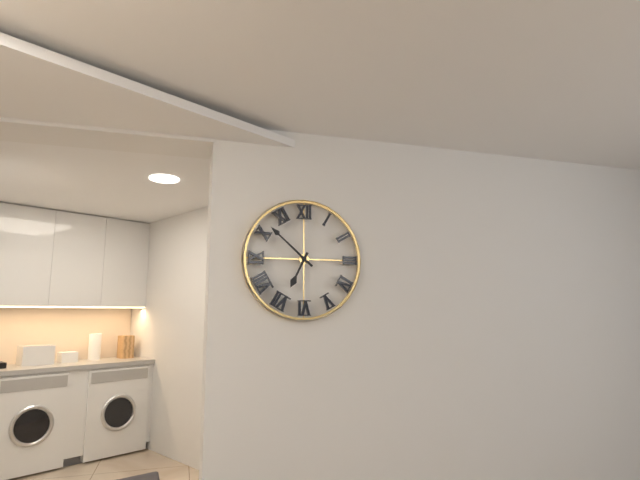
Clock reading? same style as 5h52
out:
6h52
